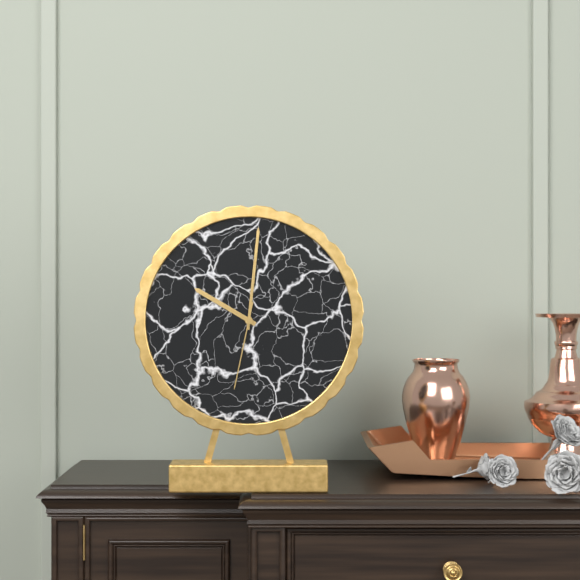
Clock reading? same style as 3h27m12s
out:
10h01m32s
